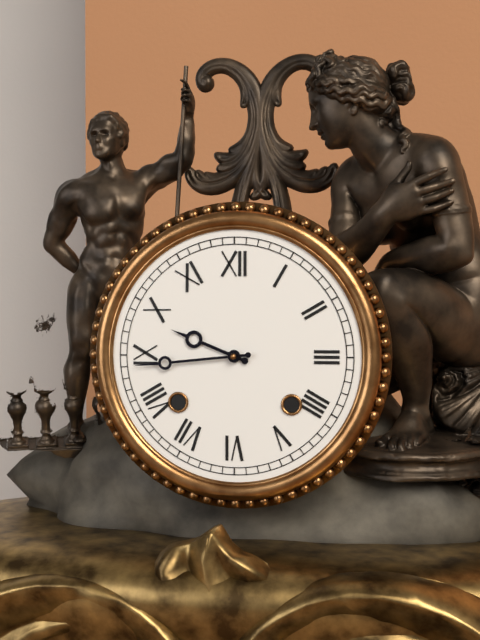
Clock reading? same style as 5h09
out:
9h44
